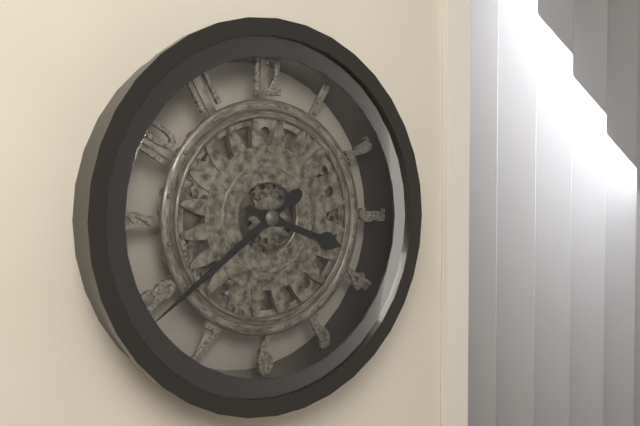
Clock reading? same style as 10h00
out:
3h39
